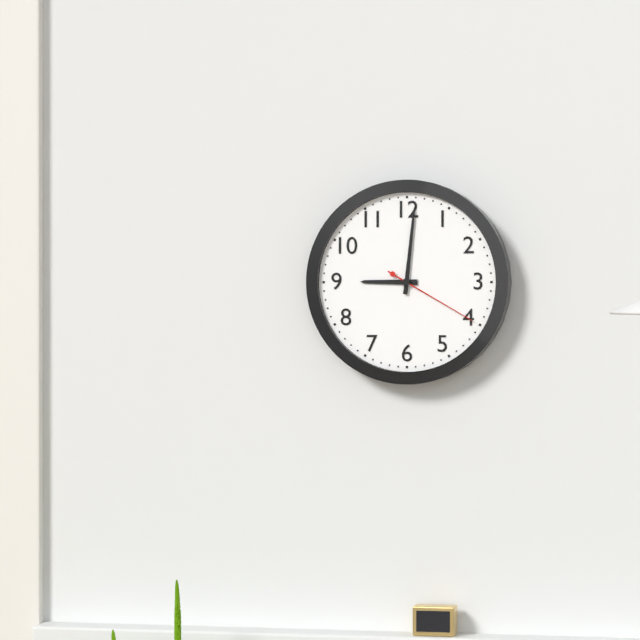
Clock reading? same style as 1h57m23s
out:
9h01m20s
